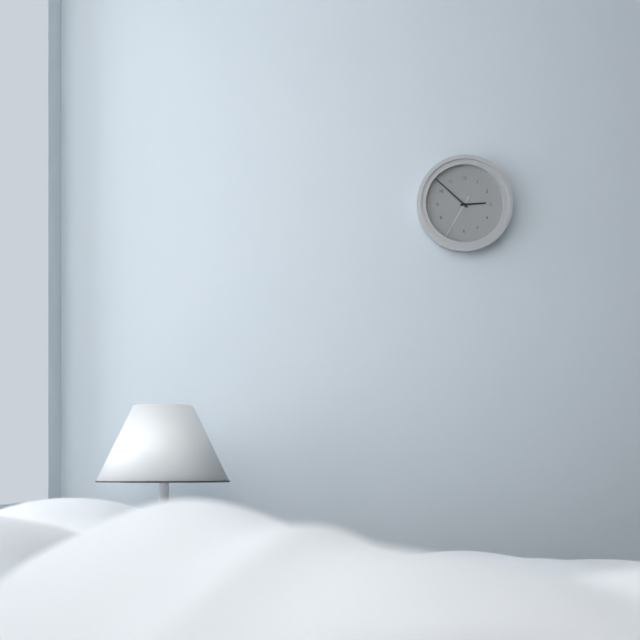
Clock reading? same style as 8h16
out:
2h52
